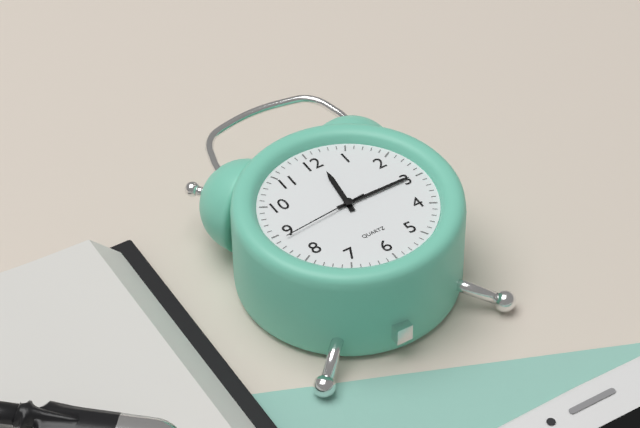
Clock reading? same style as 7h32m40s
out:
12h15m44s
